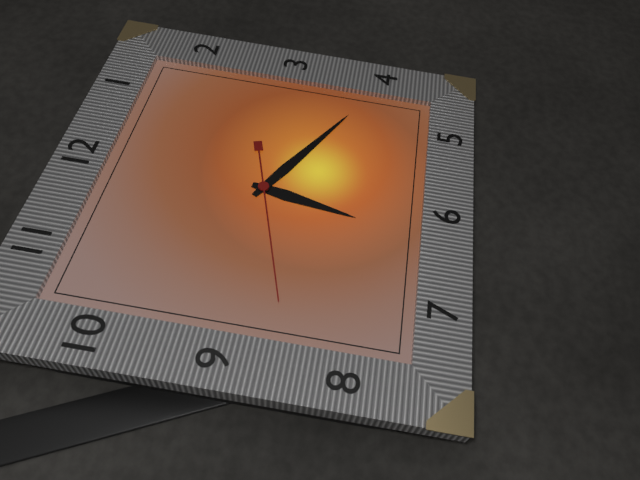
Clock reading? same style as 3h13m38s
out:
6h20m42s
